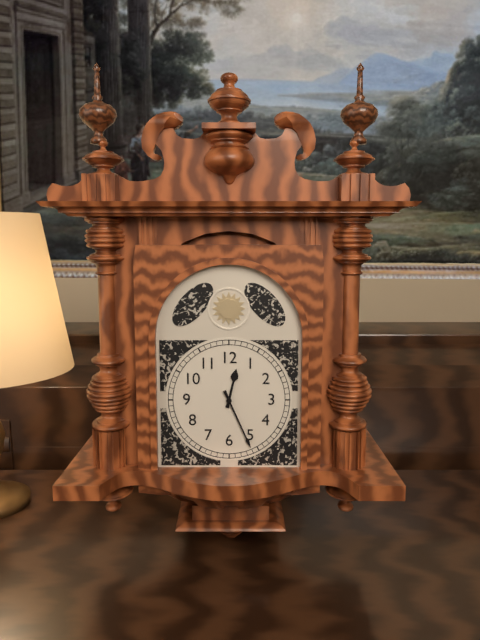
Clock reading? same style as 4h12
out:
12h26
